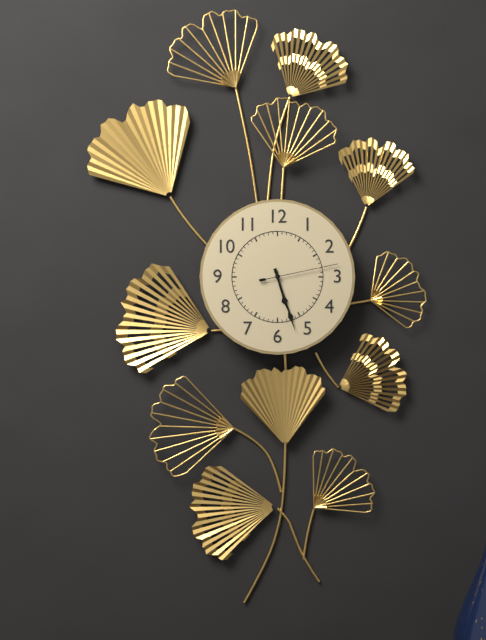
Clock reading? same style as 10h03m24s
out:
5h27m13s
